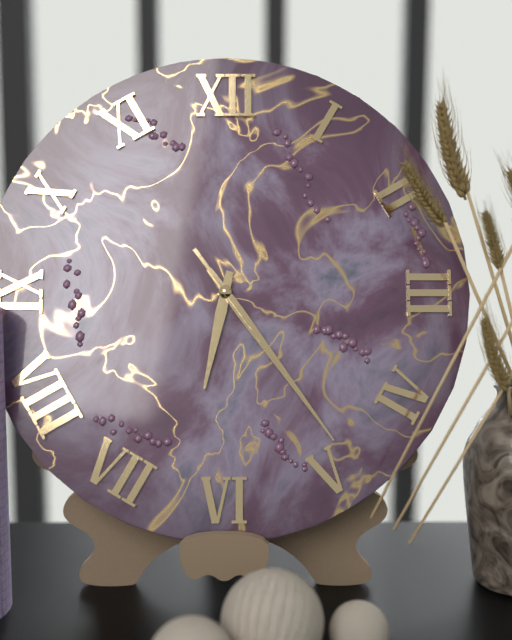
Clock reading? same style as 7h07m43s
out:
6h24m24s
